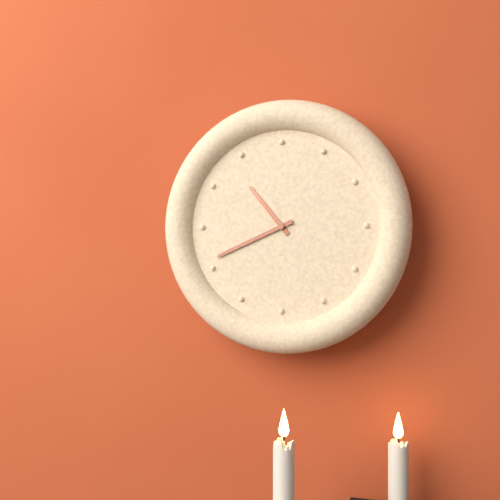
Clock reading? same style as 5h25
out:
10h41
